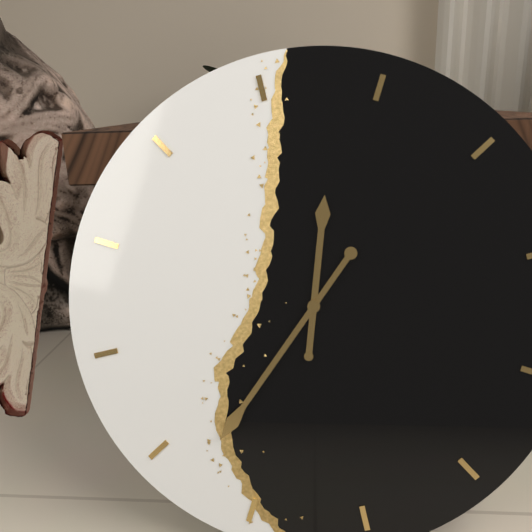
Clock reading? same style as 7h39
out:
12h38
